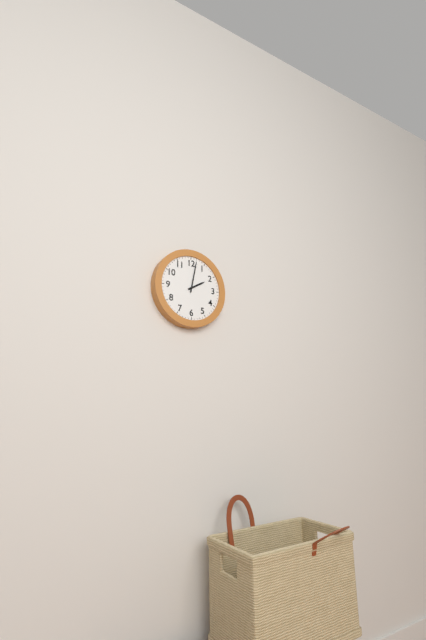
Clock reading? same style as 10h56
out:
2h02
